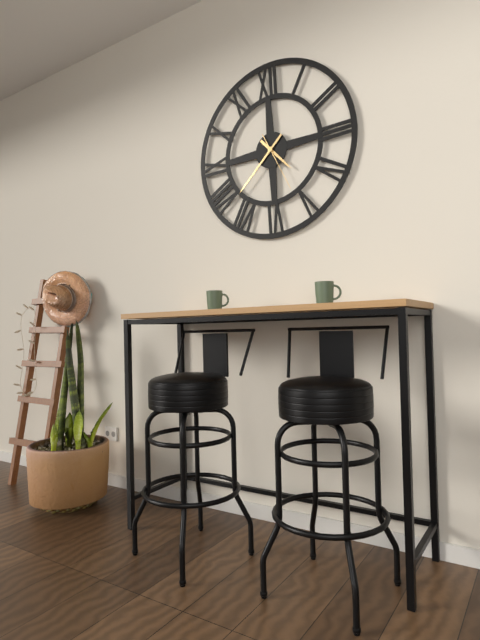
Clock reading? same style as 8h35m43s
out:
4h38m26s
